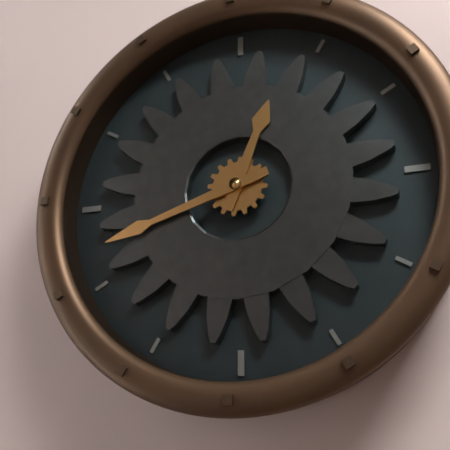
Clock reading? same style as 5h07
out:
12h42
